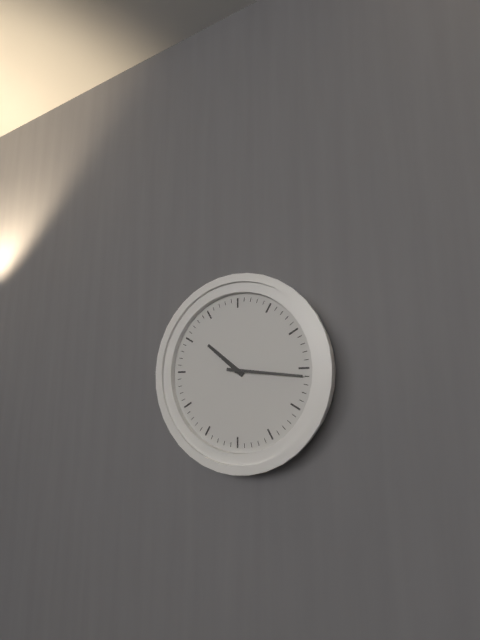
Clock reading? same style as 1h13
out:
10h16
